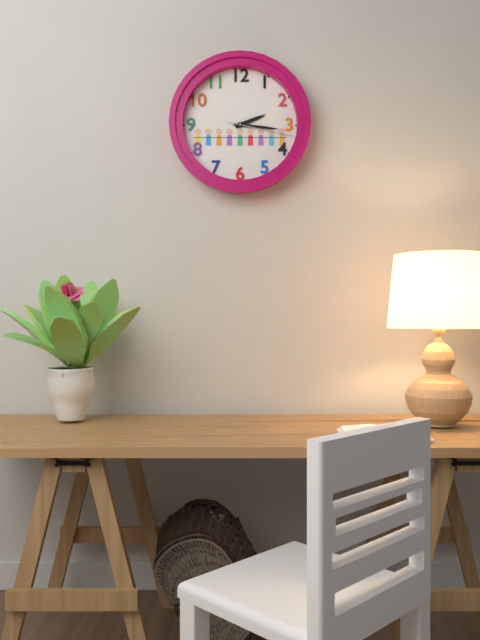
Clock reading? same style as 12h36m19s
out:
2h16m17s
